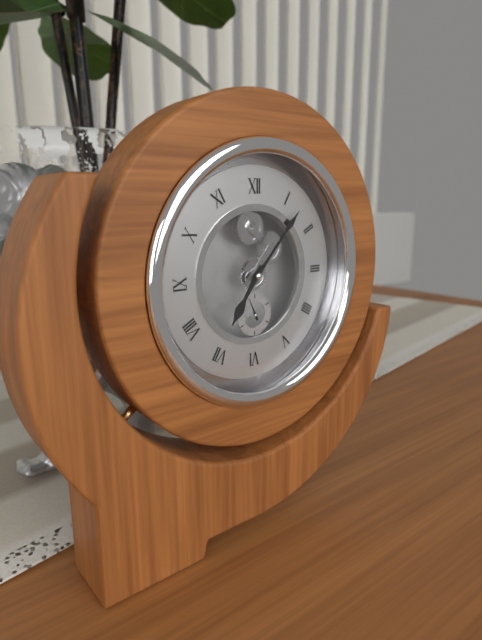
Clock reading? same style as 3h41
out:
7h07
